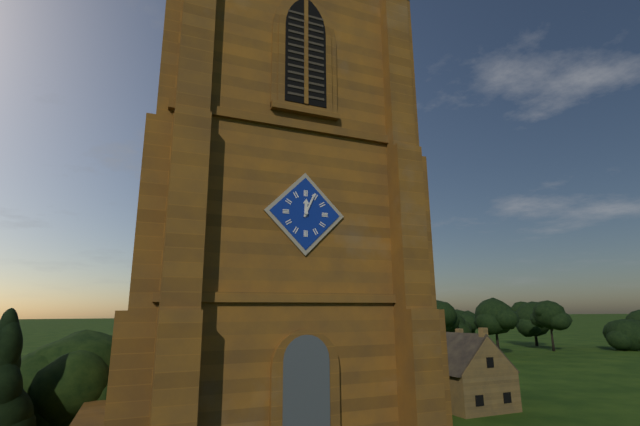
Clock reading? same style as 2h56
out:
12h04
